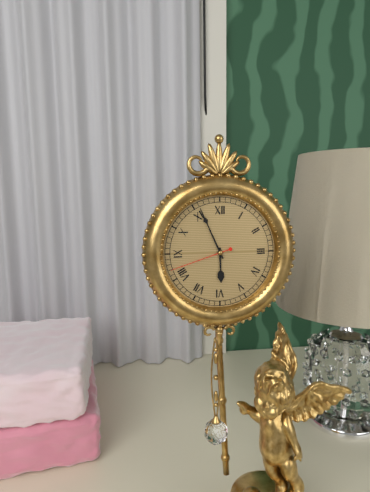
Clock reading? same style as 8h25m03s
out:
5h56m42s
